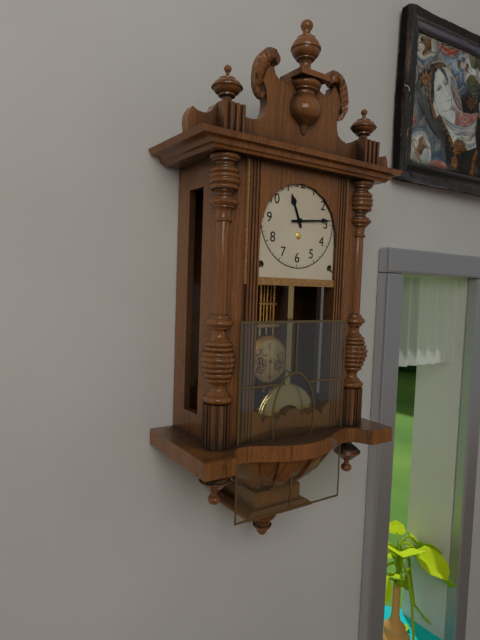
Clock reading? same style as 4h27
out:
11h14
